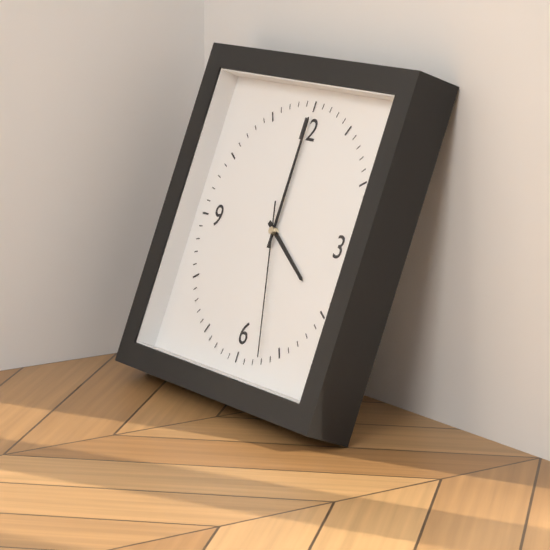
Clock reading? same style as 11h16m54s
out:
4h00m27s
